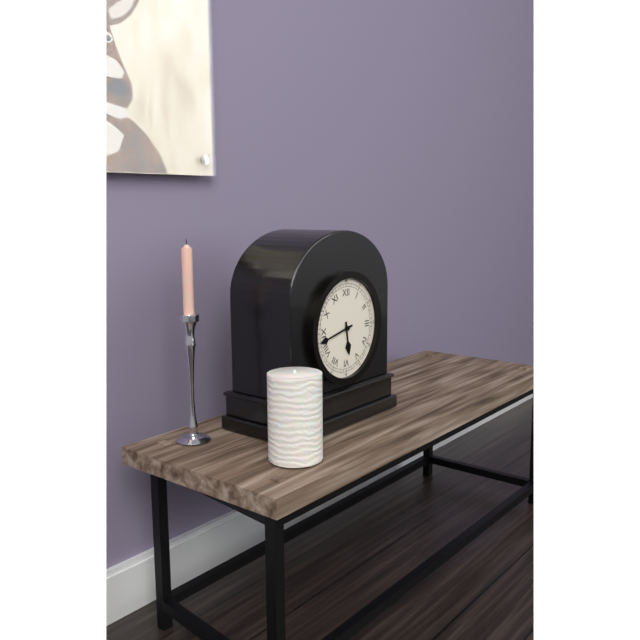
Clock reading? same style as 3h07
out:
5h43
